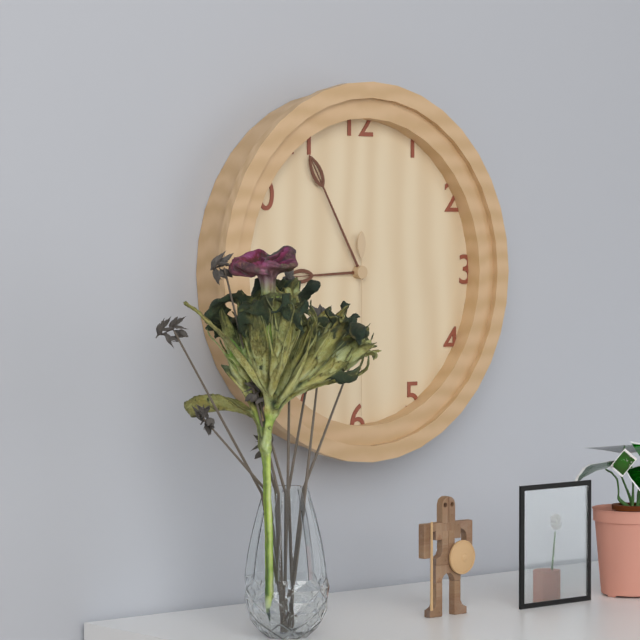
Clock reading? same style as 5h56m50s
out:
8h55m30s
